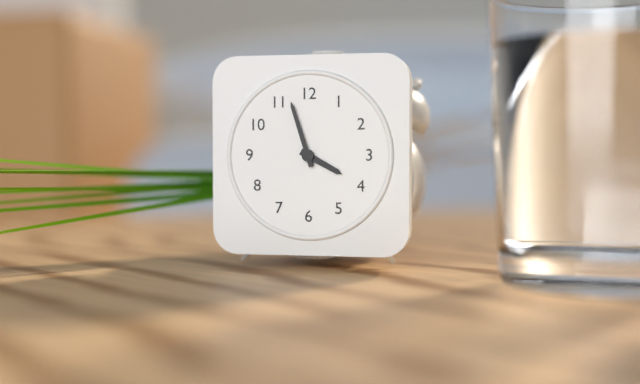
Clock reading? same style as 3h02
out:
3h57
